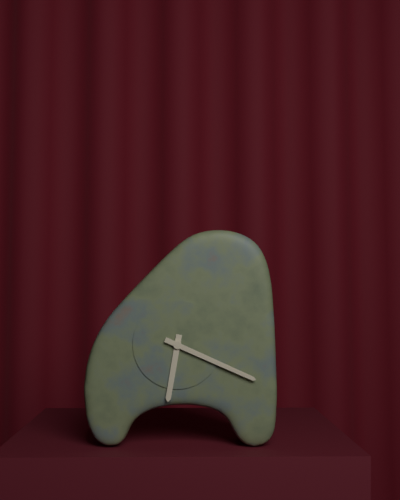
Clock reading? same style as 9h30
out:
6h19
